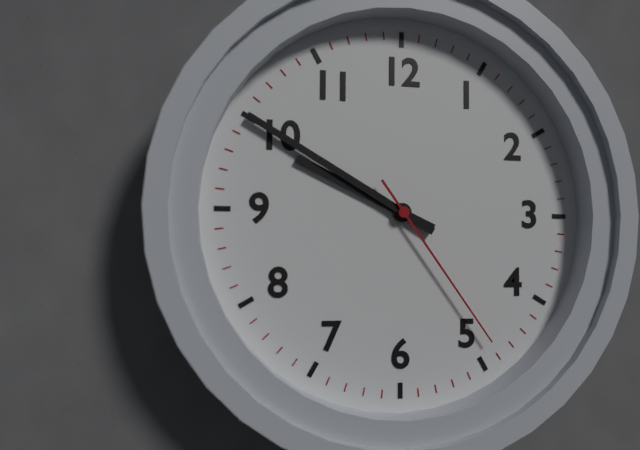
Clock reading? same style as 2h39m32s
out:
9h50m24s
